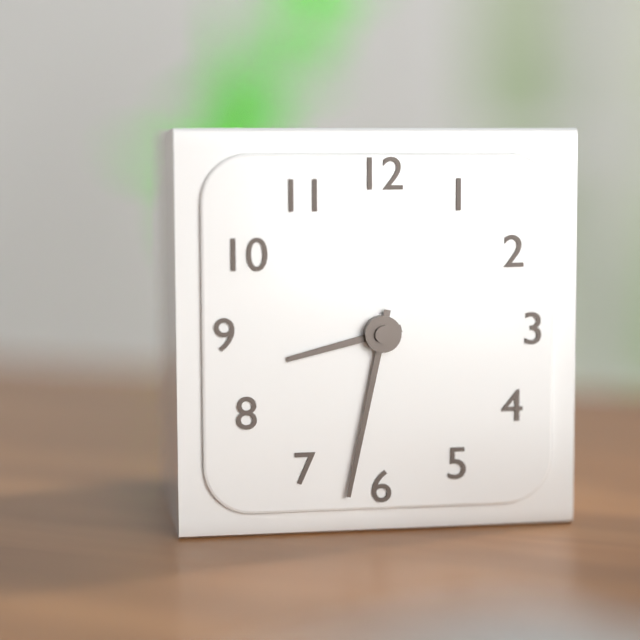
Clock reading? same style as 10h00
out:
8h32
